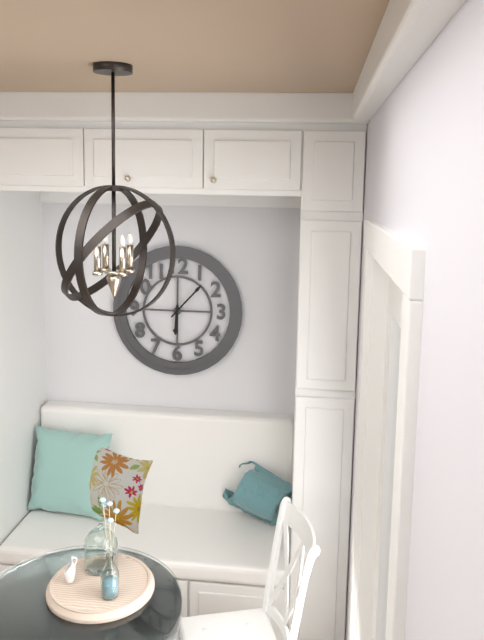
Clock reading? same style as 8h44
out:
6h07
